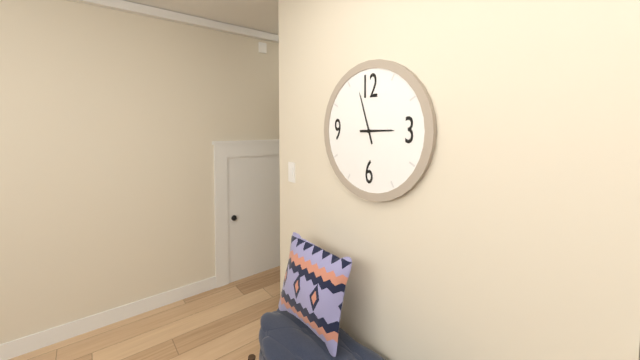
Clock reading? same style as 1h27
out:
2h57
